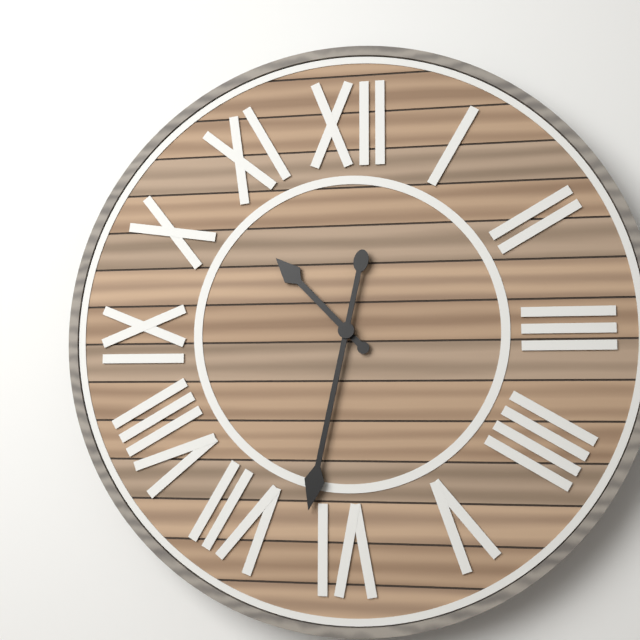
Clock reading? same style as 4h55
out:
10h32
